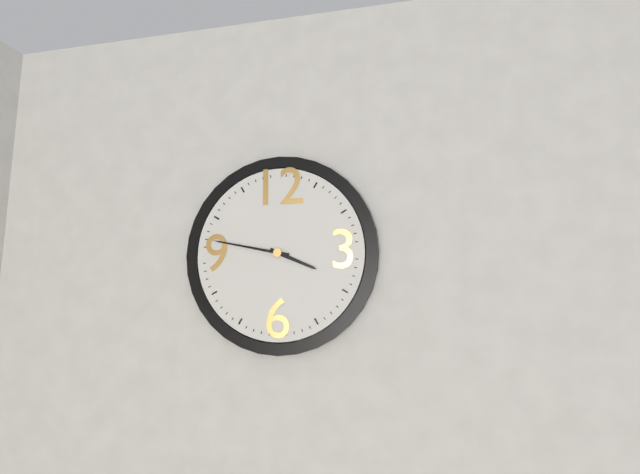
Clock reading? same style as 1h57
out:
3h47
